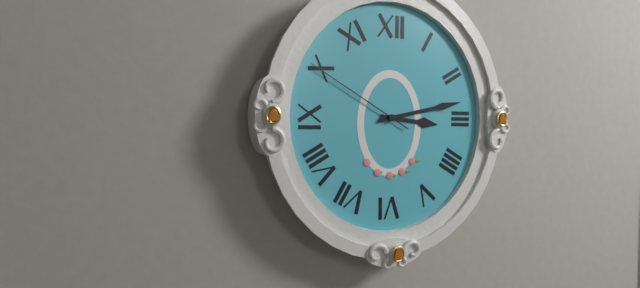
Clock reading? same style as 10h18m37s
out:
3h13m50s
